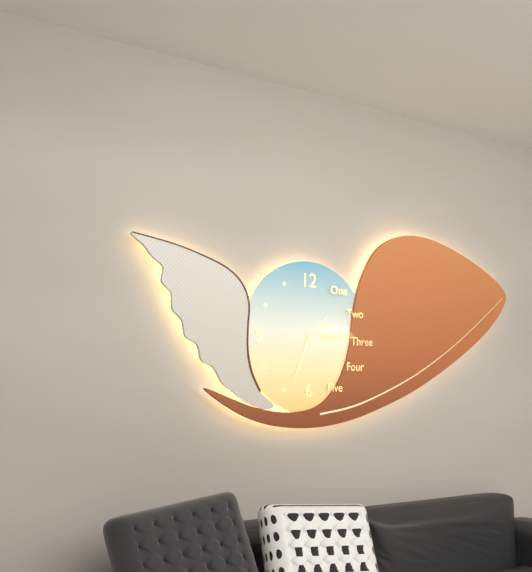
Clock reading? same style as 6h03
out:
1h34
